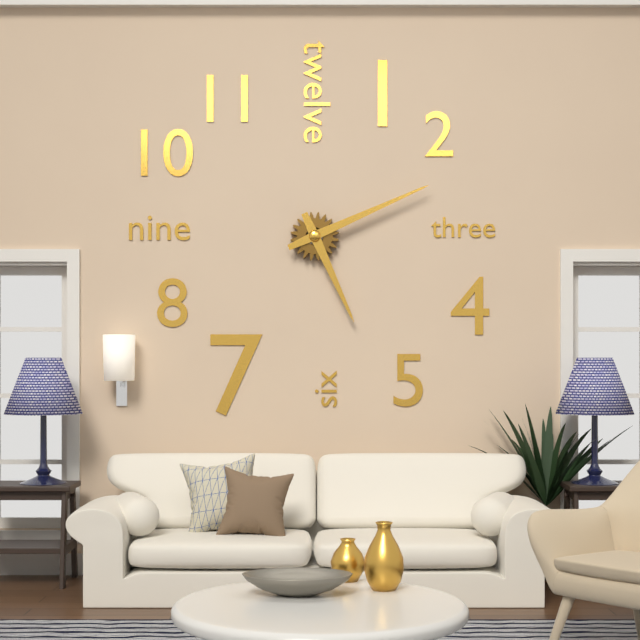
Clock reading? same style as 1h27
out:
5h11
